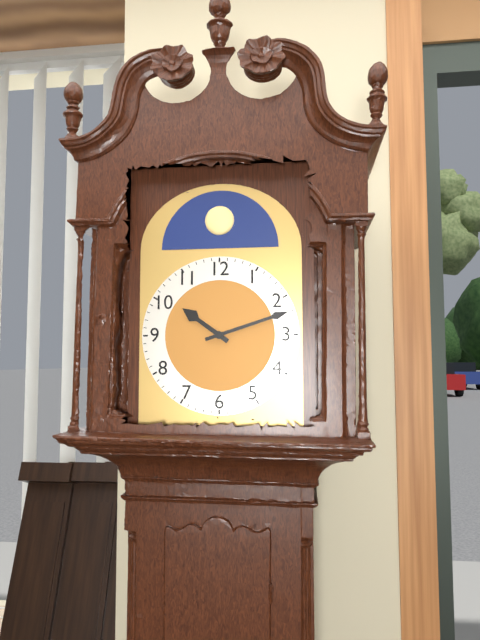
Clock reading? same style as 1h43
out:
10h12
